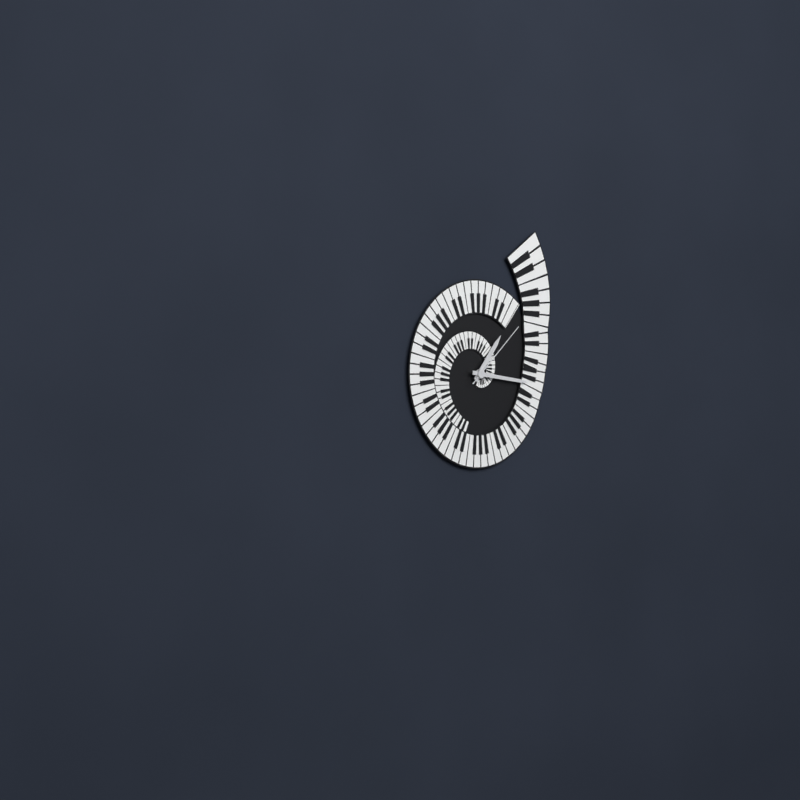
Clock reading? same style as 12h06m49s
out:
1h16m08s
